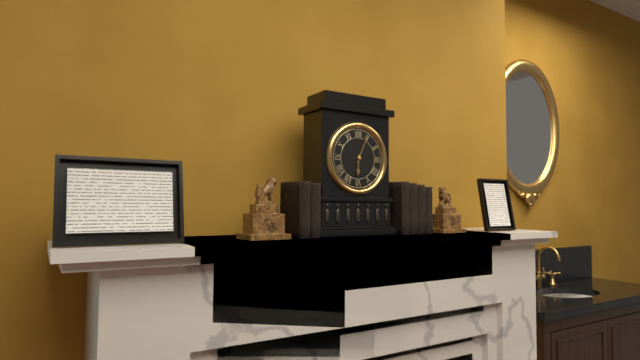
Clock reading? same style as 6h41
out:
6h04
